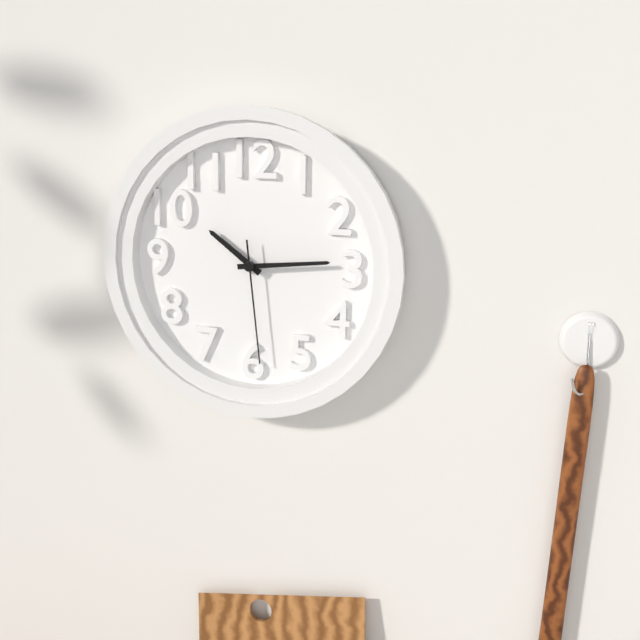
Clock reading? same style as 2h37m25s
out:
10h14m29s
